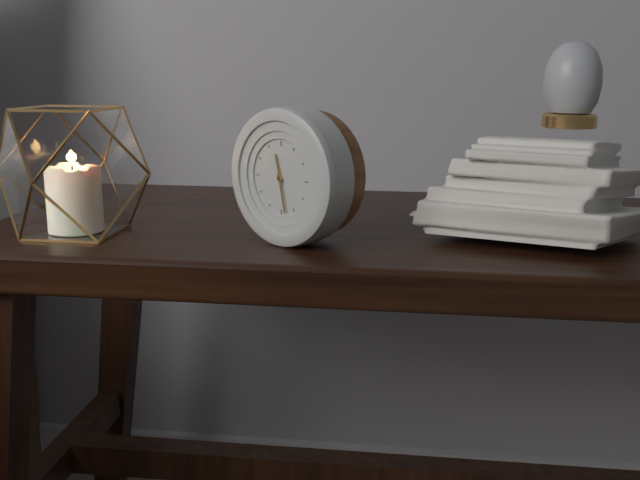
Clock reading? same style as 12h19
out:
11h28
